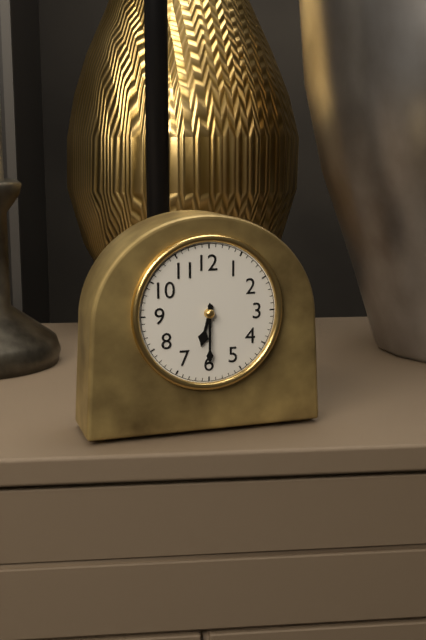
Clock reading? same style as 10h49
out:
6h30
